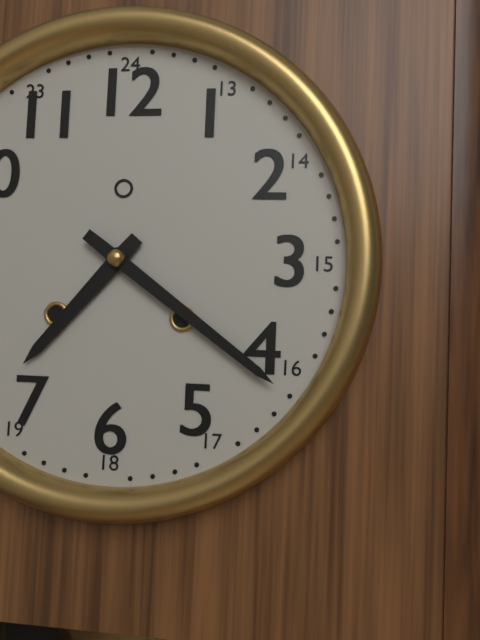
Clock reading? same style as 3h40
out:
7h21
